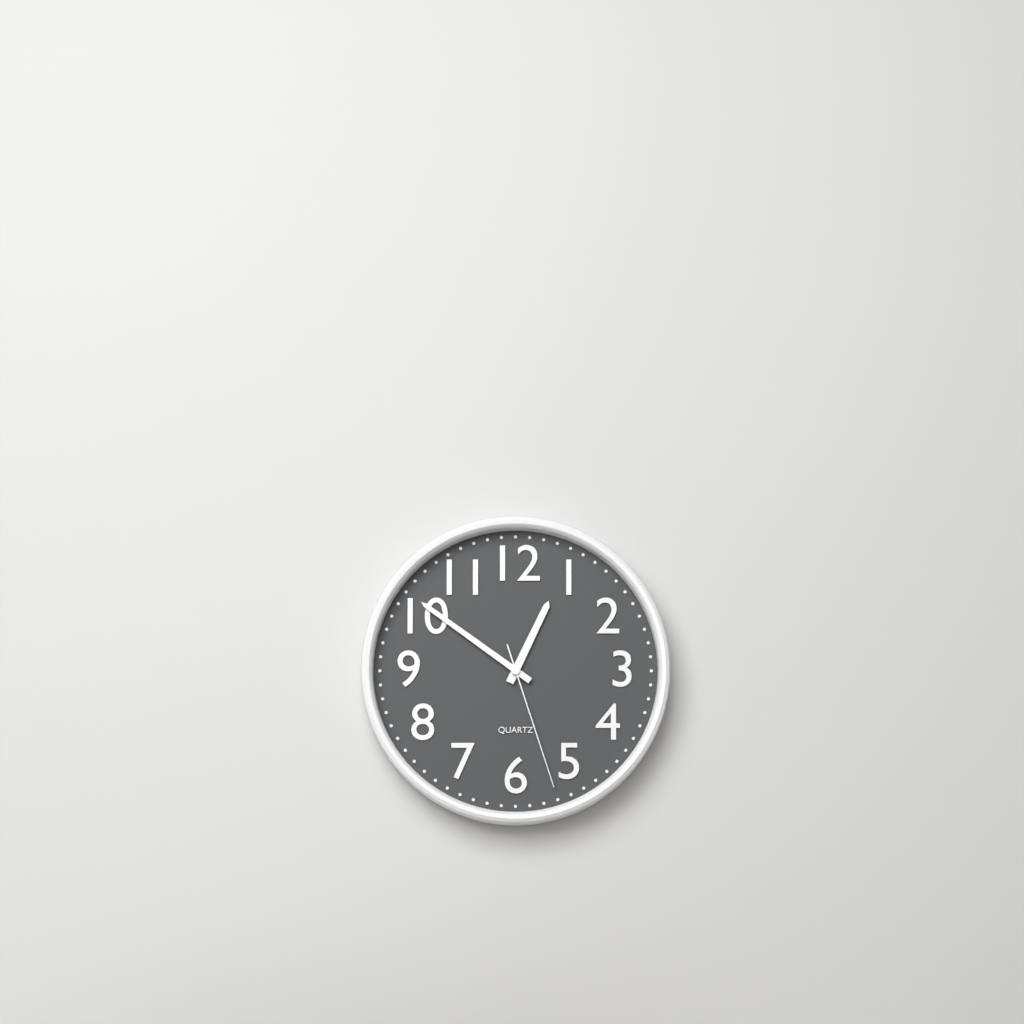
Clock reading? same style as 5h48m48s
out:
12h51m27s
